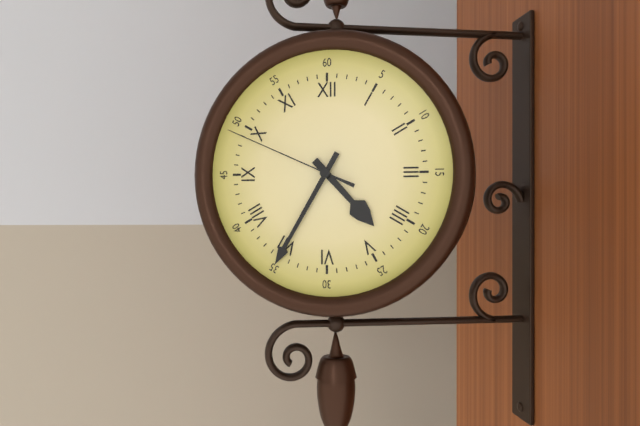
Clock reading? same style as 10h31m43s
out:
4h35m49s
